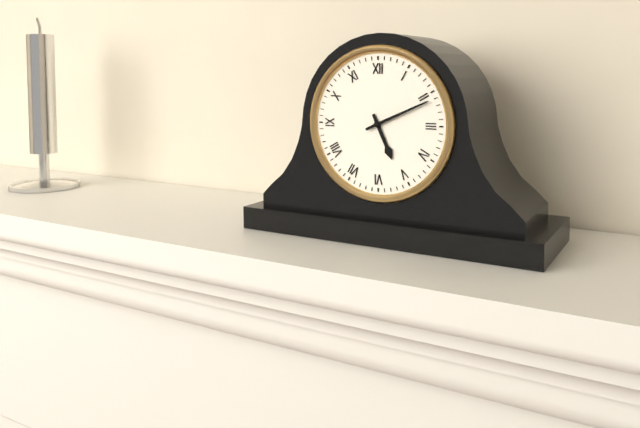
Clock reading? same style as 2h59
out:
5h11
